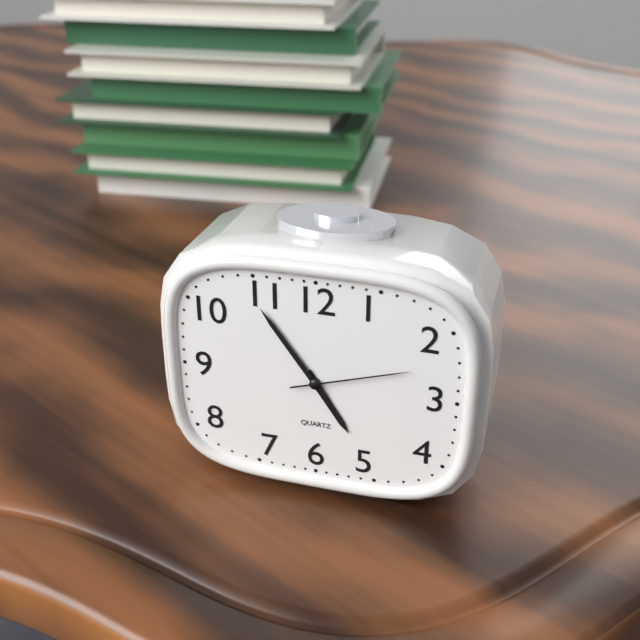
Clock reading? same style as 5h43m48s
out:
4h54m12s
